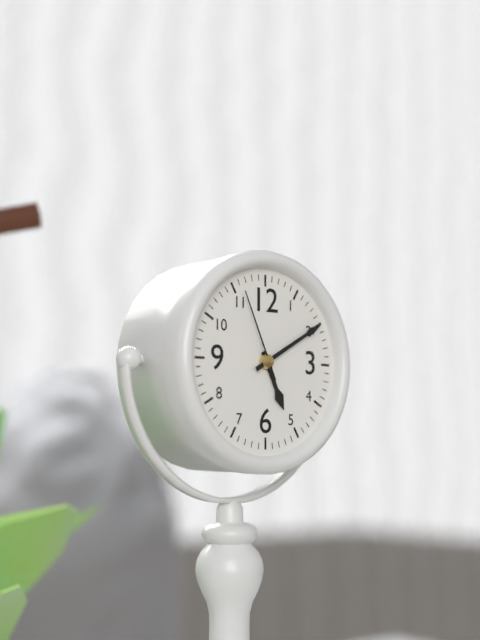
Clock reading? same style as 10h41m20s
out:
5h10m56s
